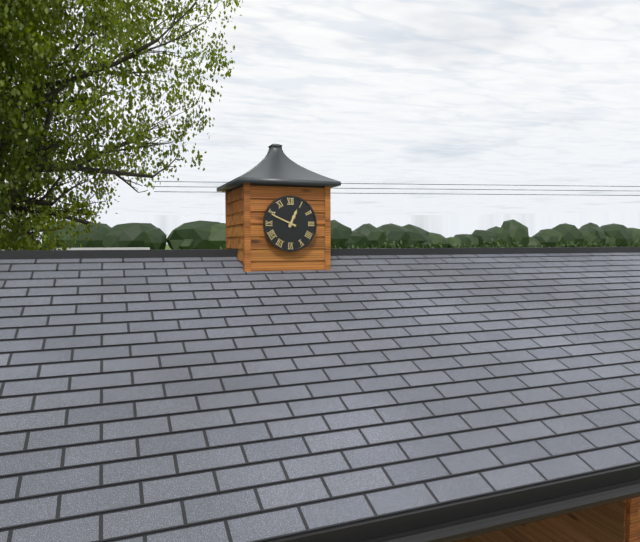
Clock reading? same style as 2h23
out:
12h49
